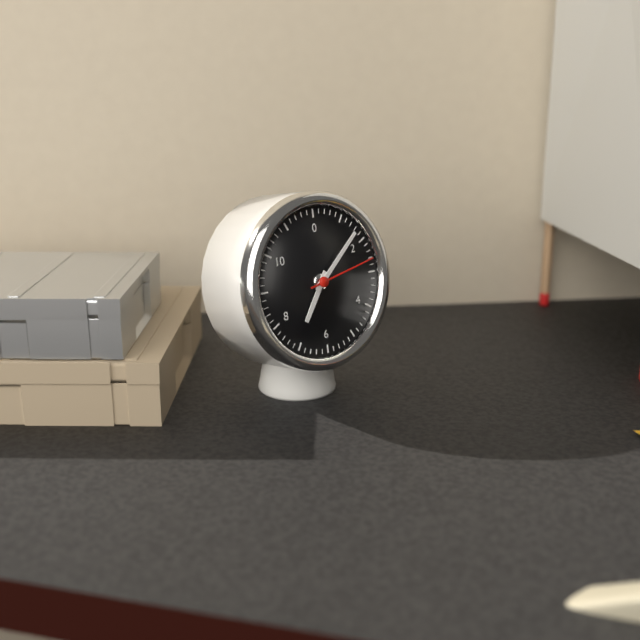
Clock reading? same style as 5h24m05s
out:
7h08m13s
